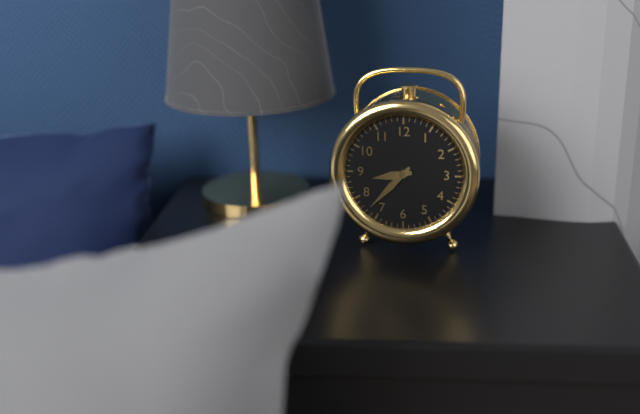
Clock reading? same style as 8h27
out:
8h37
